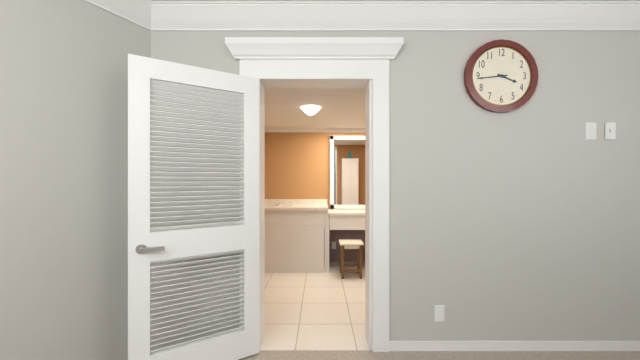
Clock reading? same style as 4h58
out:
3h44
